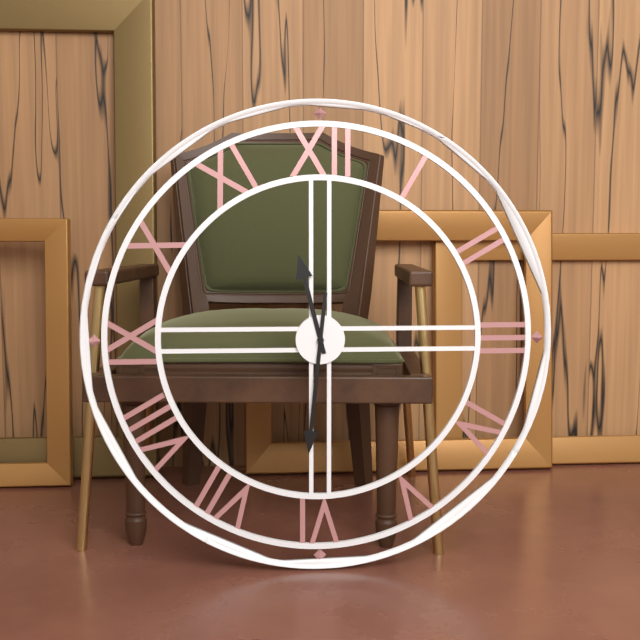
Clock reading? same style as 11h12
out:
11h31
